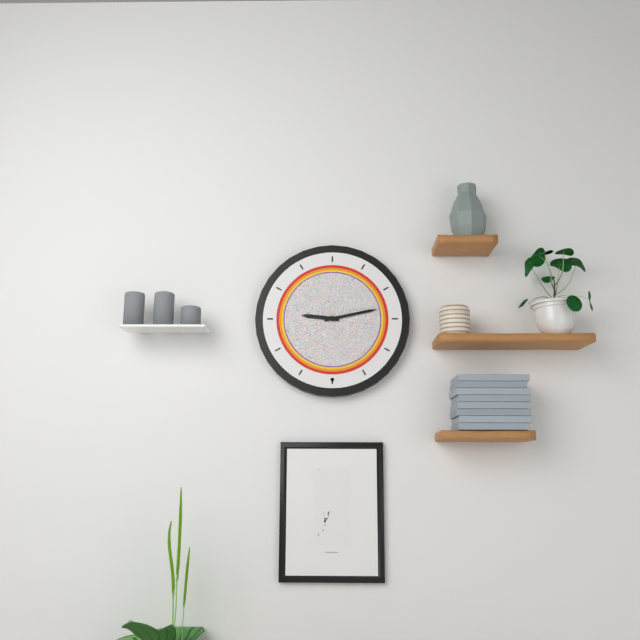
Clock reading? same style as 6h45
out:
9h13
